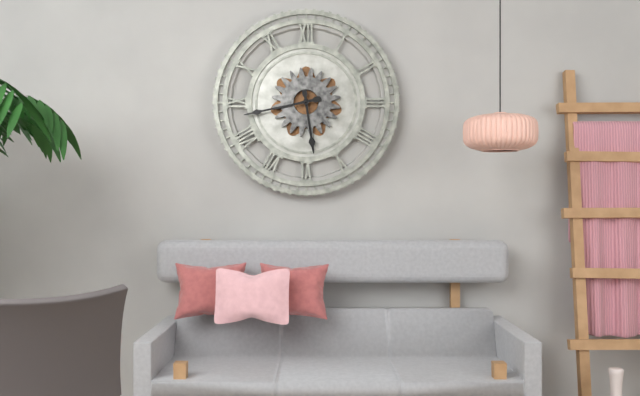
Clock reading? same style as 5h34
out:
5h43
